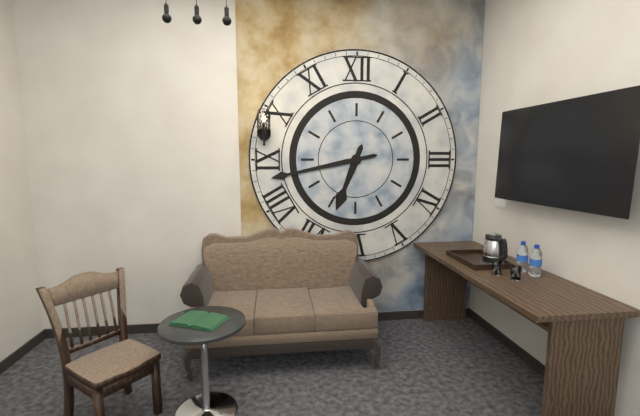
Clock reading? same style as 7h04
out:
6h43
